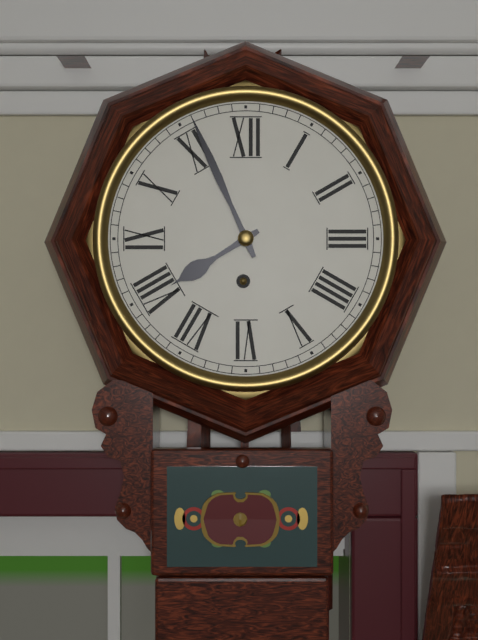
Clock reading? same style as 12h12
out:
7h56
